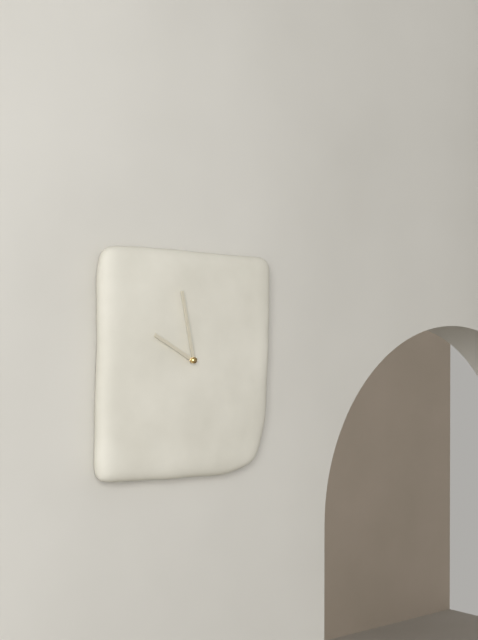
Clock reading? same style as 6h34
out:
9h58
